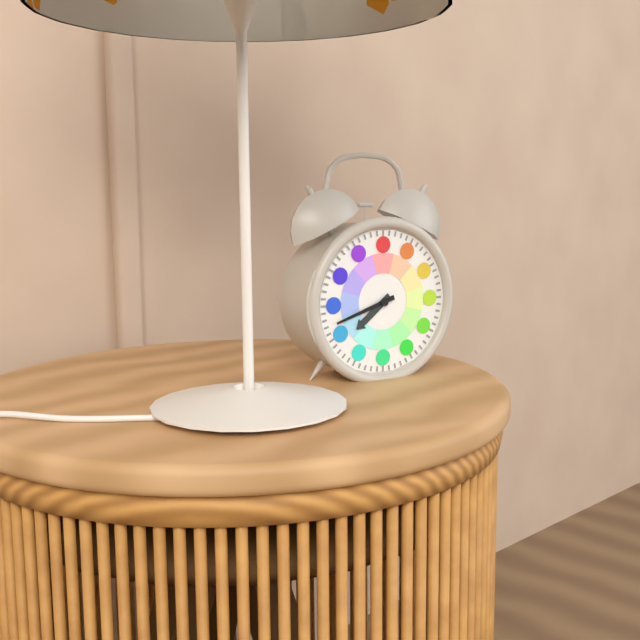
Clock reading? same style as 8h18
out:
7h42
